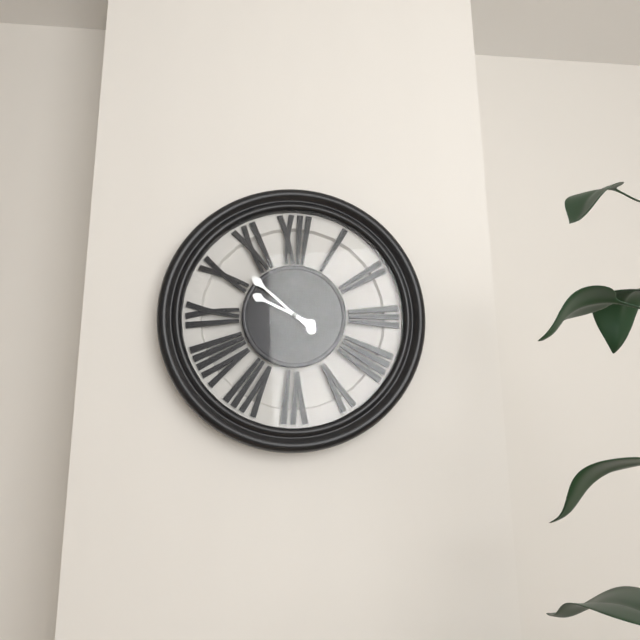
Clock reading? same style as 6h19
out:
9h52
